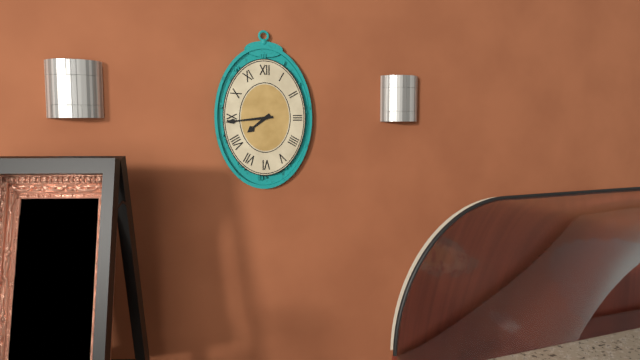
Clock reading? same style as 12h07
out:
7h44
